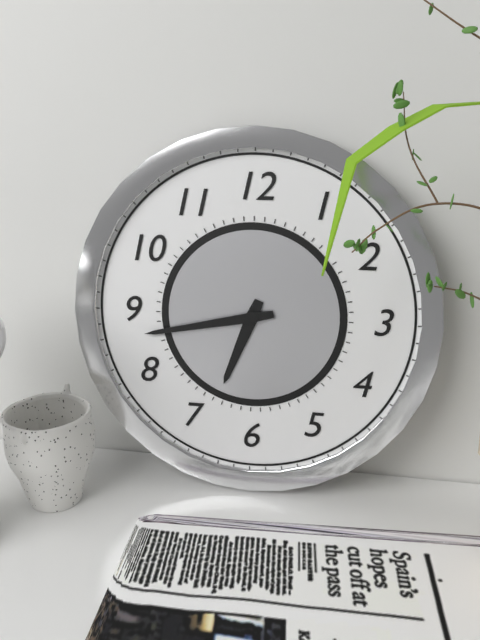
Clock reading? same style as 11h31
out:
6h43
